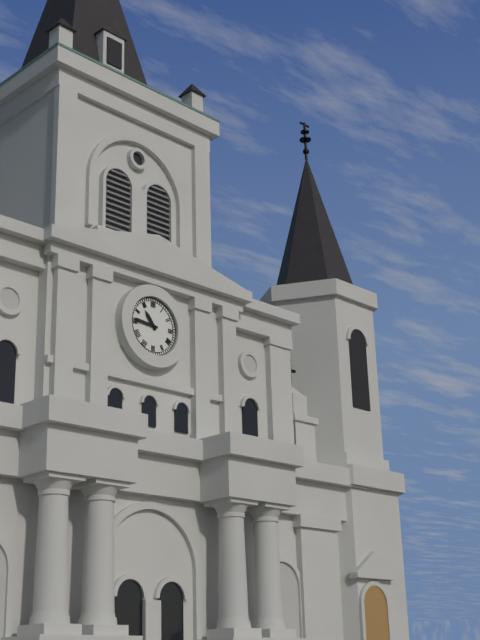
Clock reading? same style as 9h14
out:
10h46
